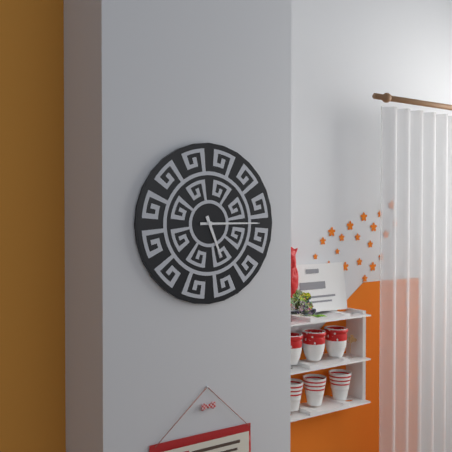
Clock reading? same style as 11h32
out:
5h15
